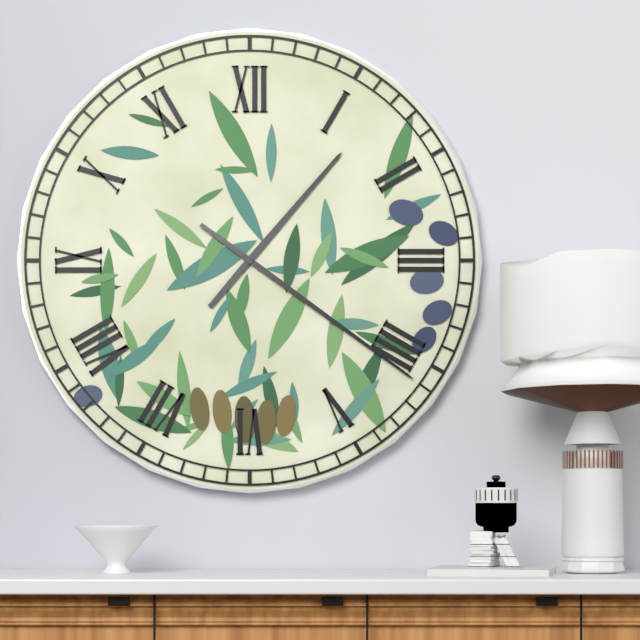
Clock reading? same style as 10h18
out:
1h21
